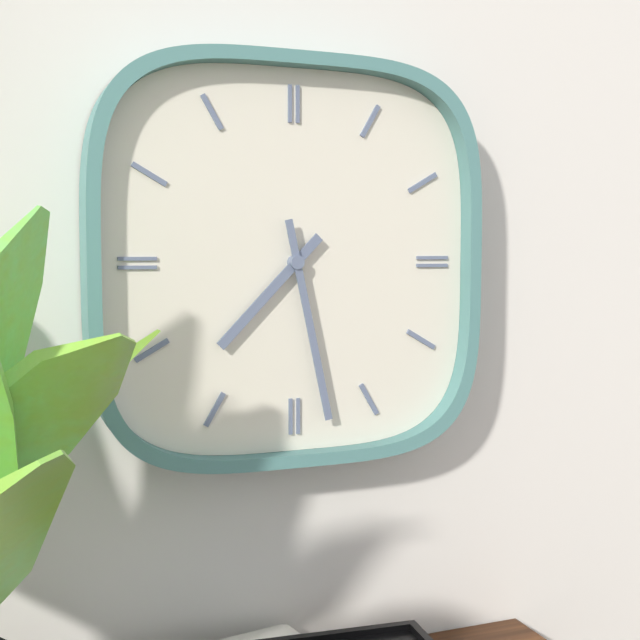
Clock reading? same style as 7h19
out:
7h28
